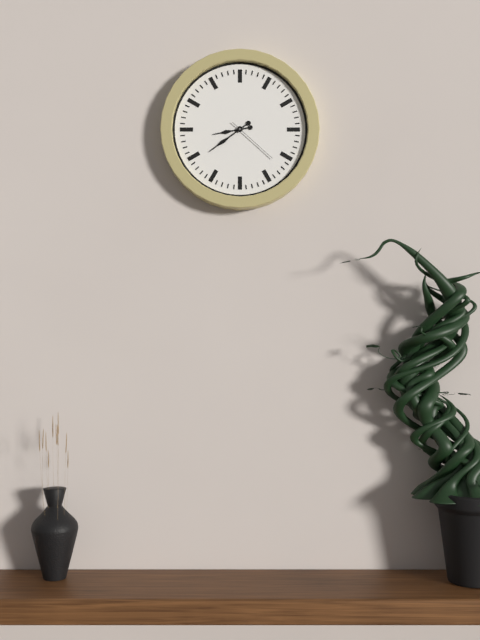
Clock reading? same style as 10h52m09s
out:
8h39m22s
